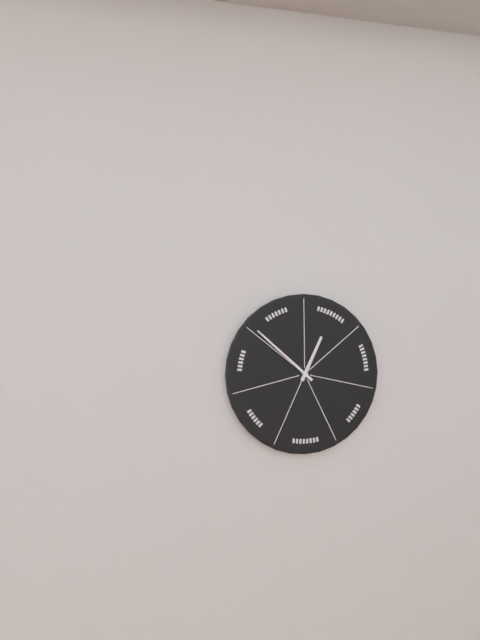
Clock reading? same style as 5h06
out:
12h52
